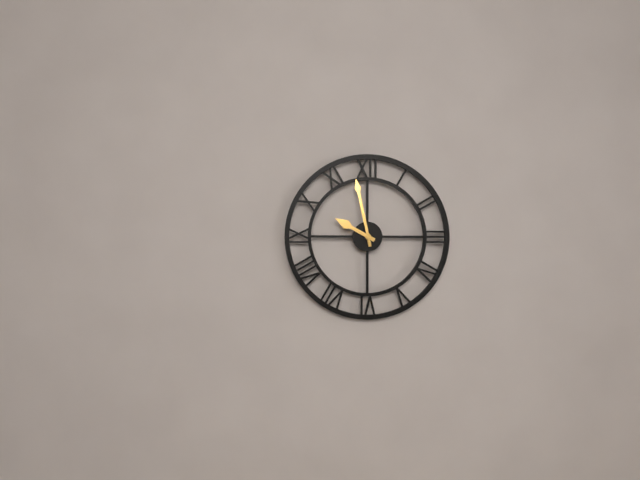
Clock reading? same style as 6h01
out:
9h58
